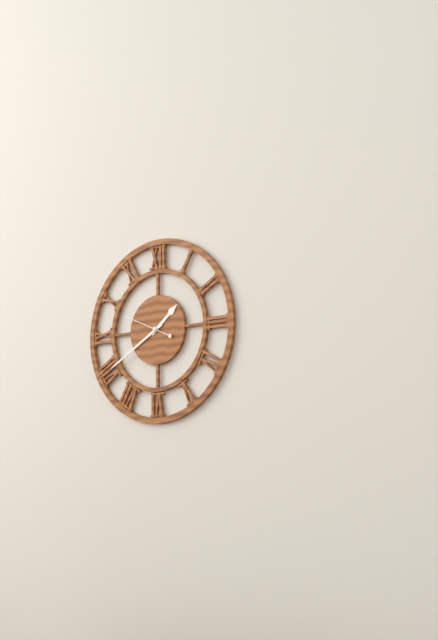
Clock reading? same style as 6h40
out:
1h40
